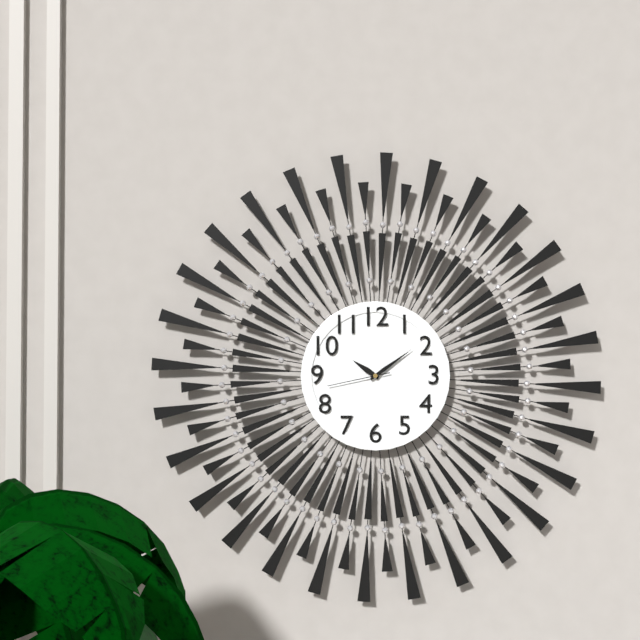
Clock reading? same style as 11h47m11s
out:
10h09m43s
